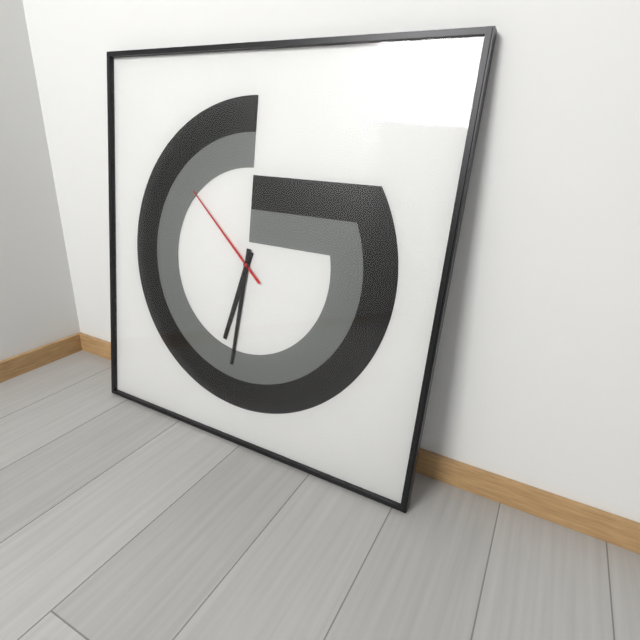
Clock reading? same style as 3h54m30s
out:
6h31m52s
